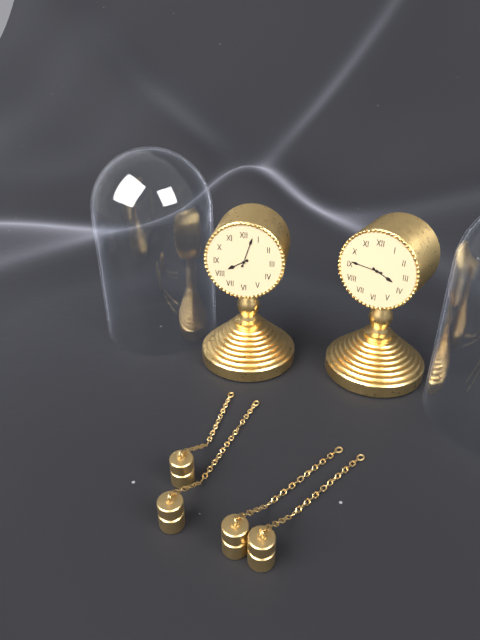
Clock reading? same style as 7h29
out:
8h03
